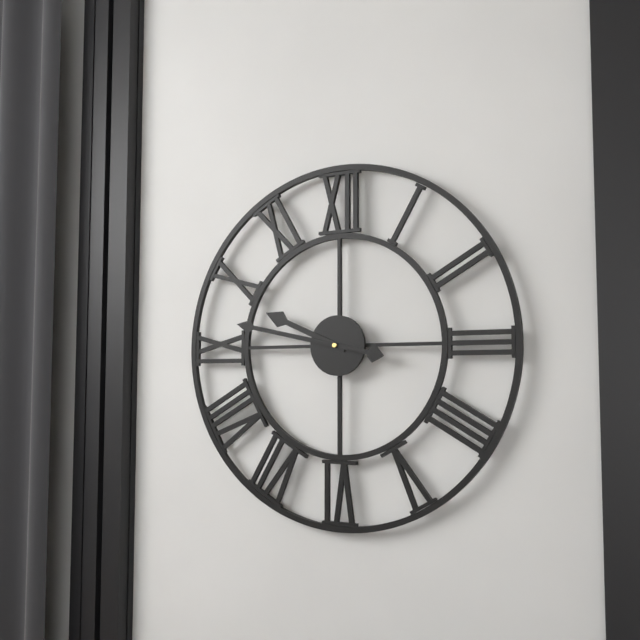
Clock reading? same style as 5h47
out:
9h47
